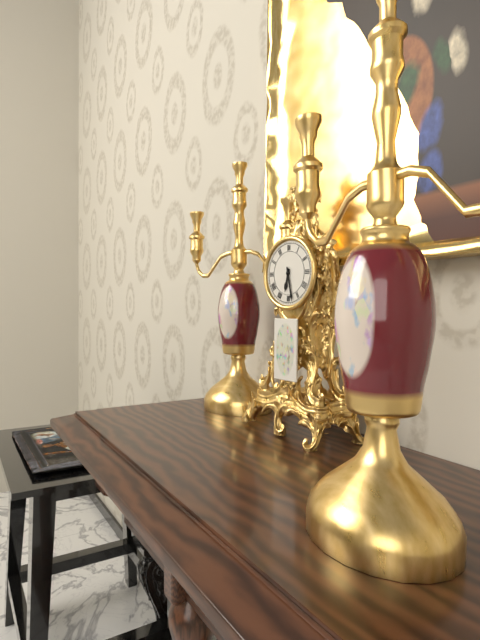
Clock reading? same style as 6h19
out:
6h28
